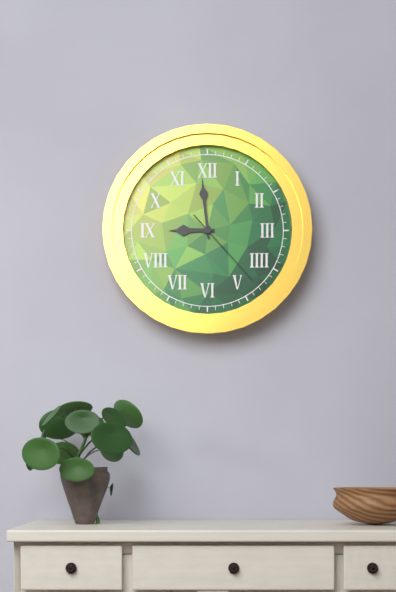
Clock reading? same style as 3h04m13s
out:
8h59m23s
